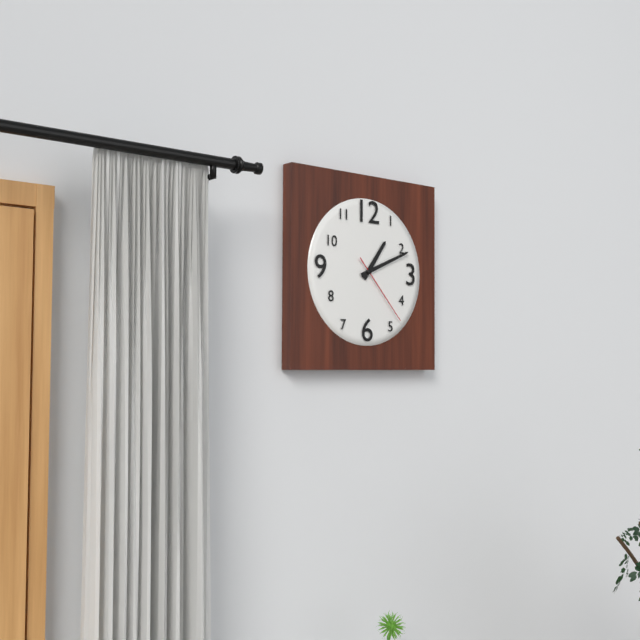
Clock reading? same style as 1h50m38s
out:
1h11m23s
